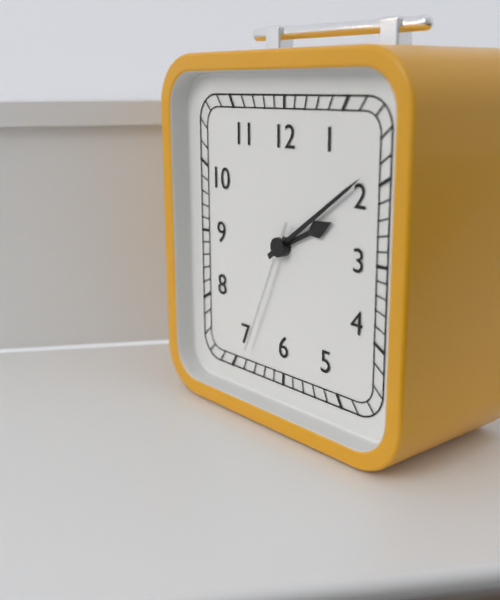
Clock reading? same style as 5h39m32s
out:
2h09m34s
